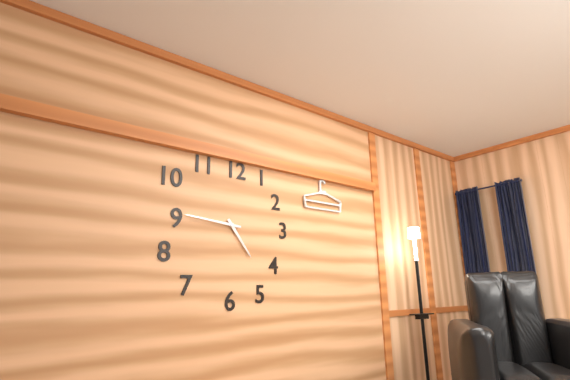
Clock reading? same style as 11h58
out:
4h46
